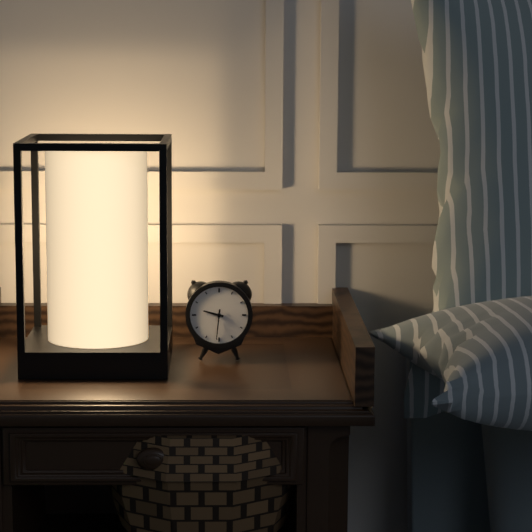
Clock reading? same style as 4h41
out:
9h31
